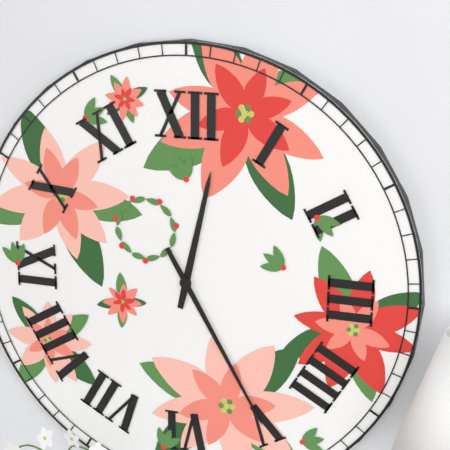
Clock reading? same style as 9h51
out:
12h25
